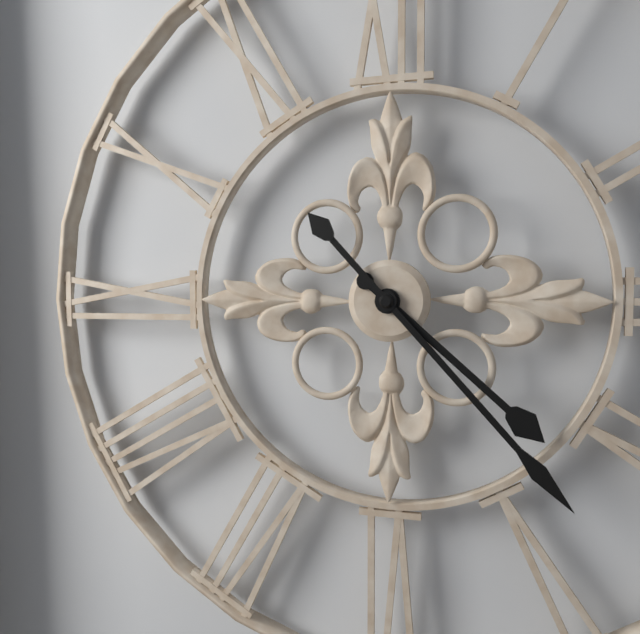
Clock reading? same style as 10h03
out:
4h23
